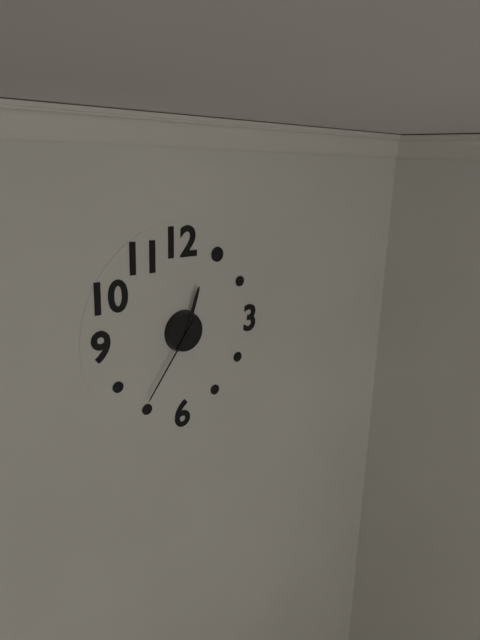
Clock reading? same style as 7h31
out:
12h36
